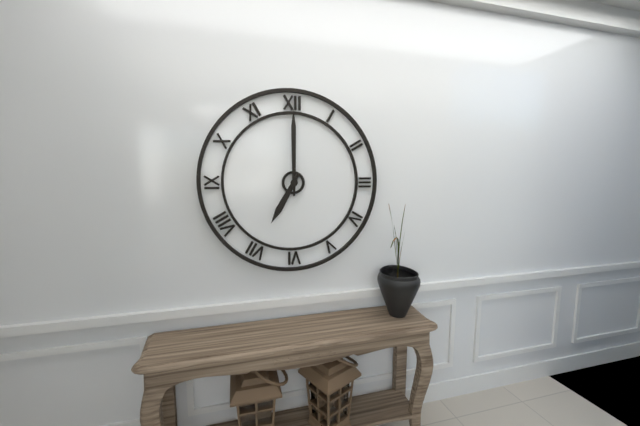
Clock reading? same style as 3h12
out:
7h00
